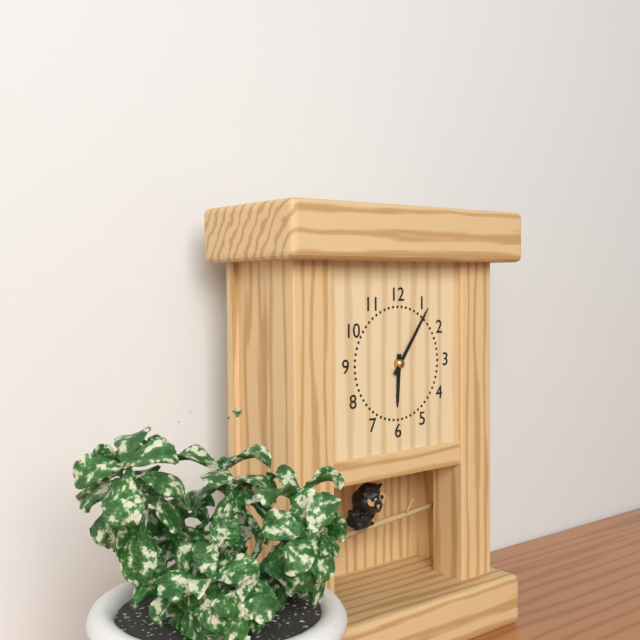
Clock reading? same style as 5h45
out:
6h06
